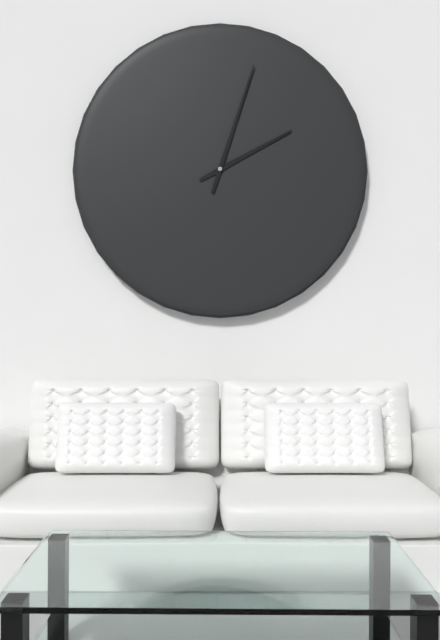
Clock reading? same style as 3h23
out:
2h03
